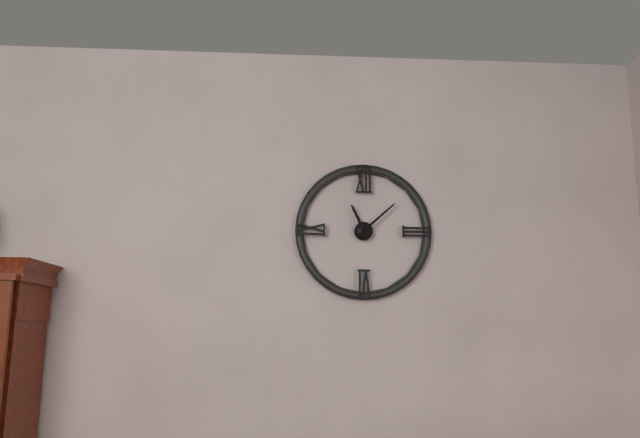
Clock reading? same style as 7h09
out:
11h08
